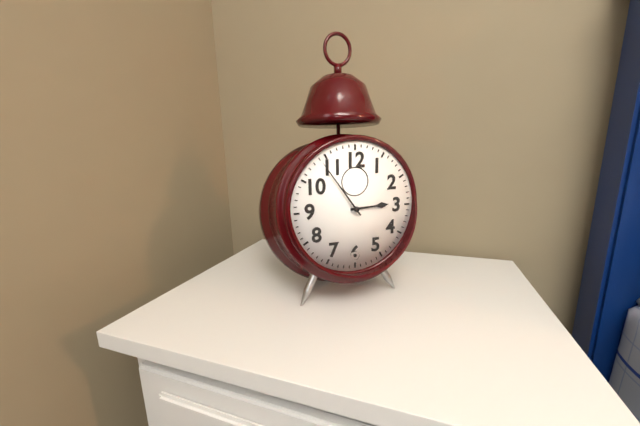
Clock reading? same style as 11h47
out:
2h54
